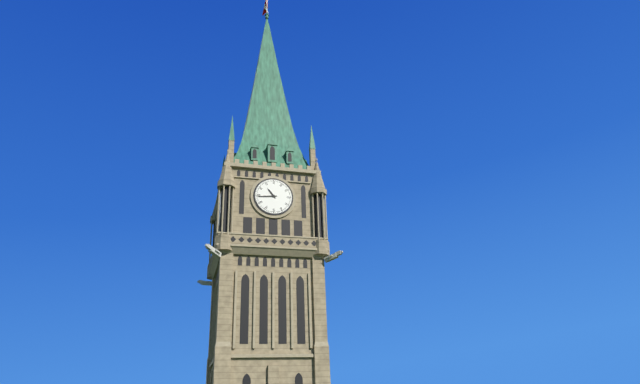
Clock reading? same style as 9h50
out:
10h44
